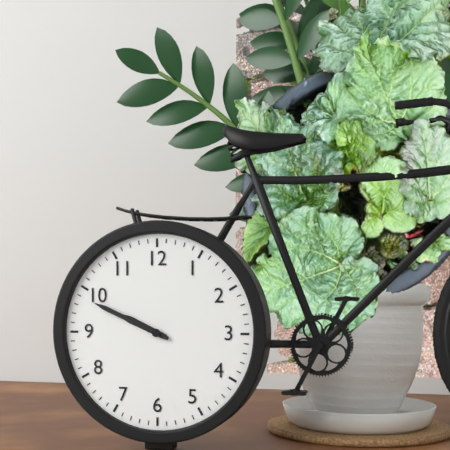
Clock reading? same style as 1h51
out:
9h49
